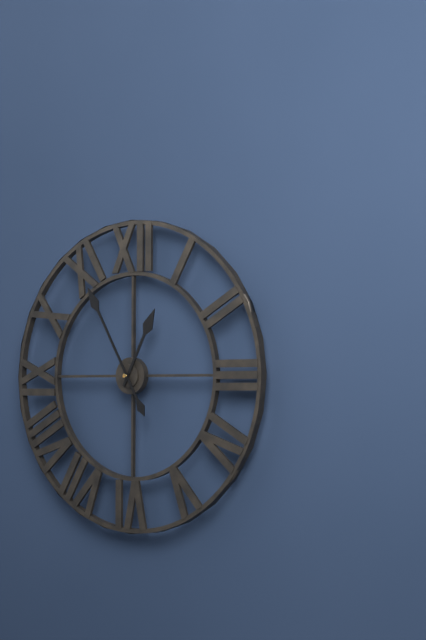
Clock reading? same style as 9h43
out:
12h55
